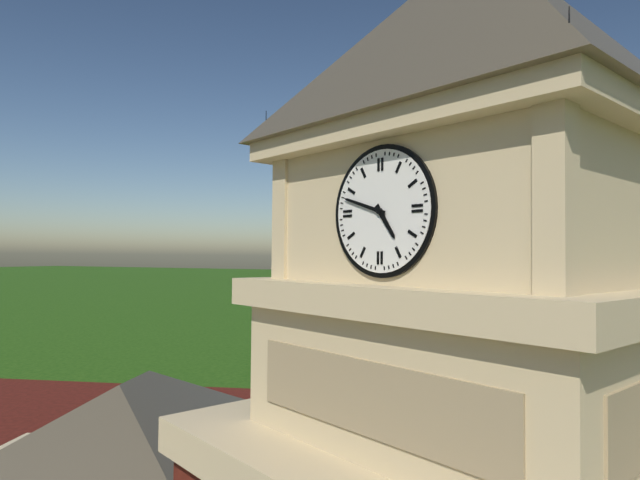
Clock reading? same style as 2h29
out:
4h48
